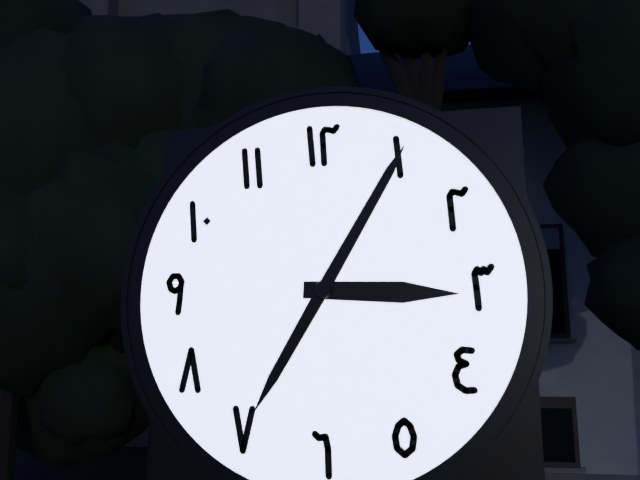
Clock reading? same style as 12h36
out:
3h05
